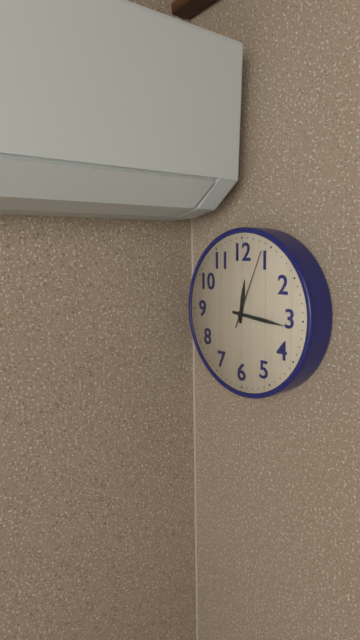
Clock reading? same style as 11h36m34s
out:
12h16m04s
